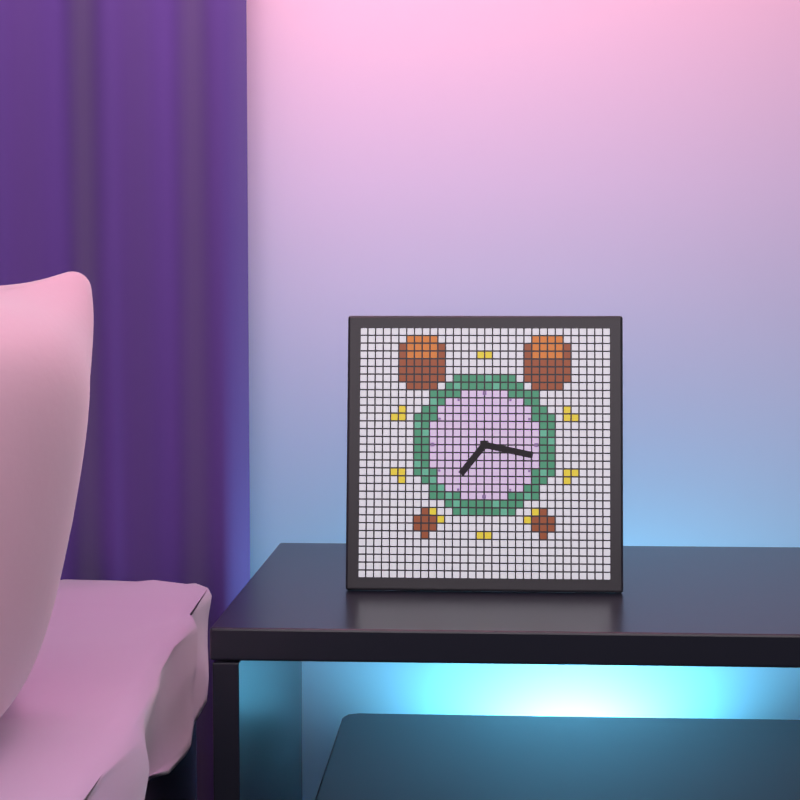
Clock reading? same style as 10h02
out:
7h17
